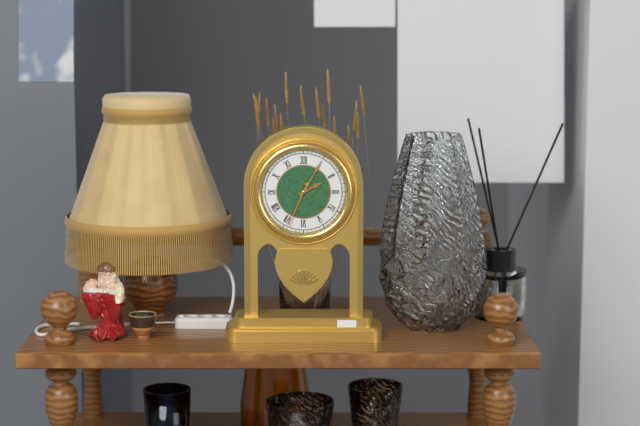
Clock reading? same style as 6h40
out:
2h05
